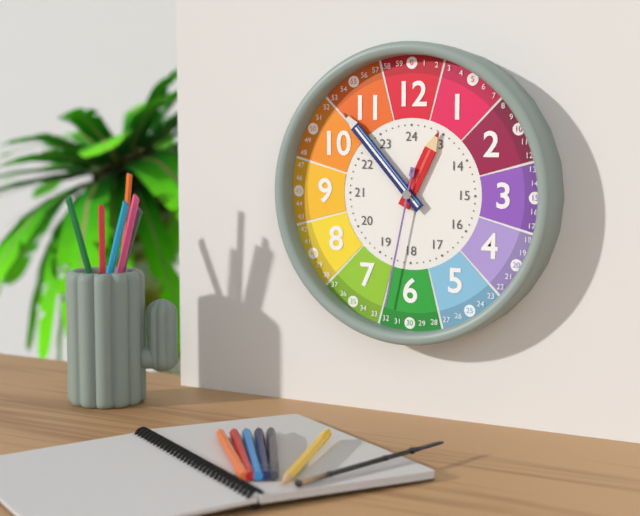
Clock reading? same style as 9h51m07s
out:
12h53m32s
